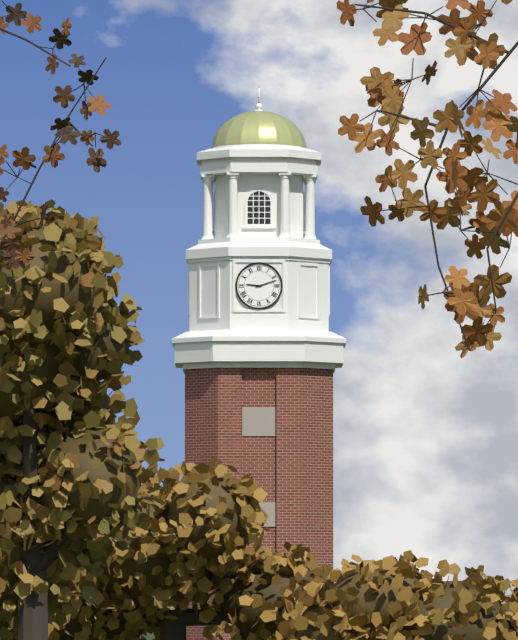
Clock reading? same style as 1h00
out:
9h12
